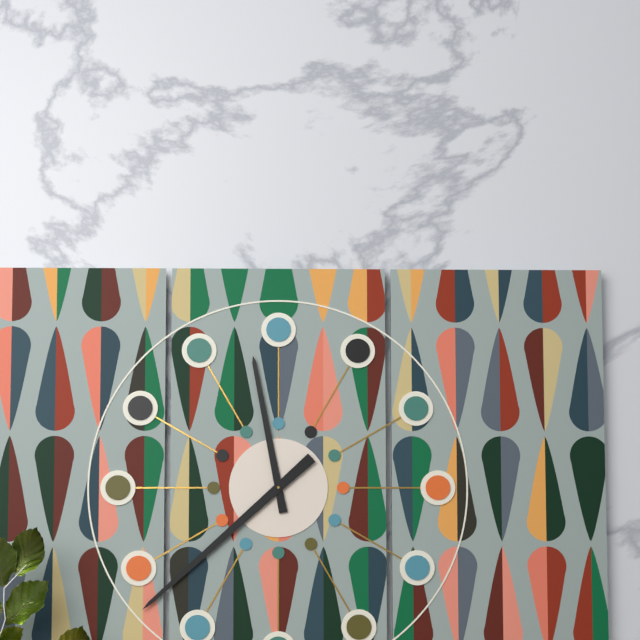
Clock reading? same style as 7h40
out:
11h38
